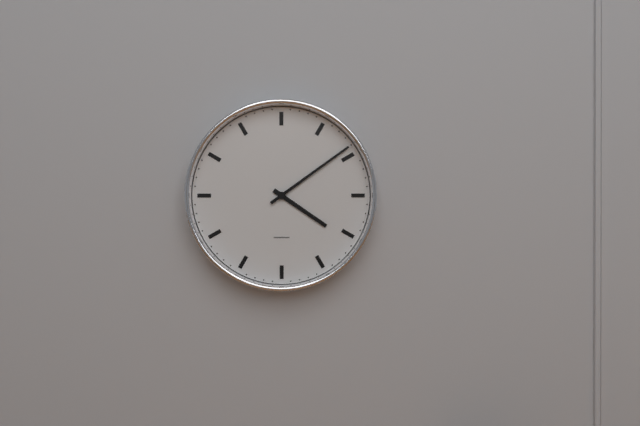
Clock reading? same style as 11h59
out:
4h09
